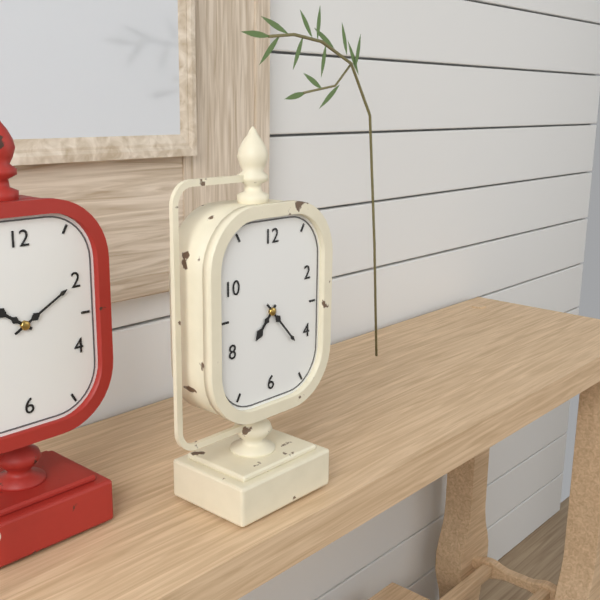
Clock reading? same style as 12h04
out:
7h23
